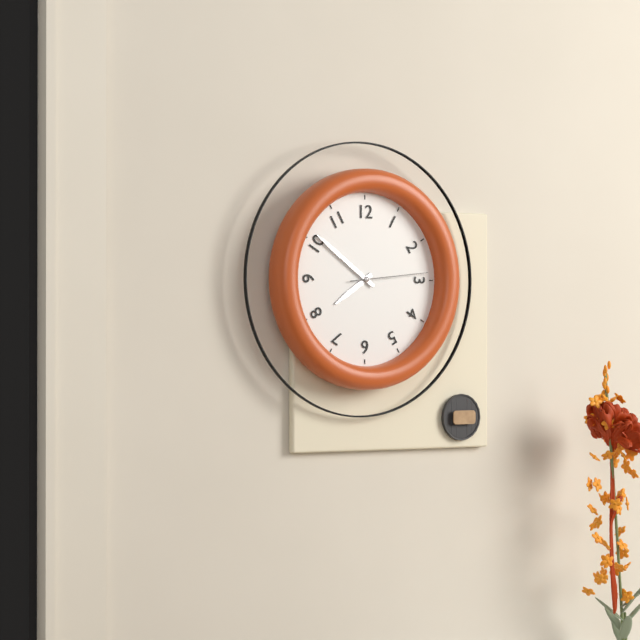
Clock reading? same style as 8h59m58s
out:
7h51m14s
